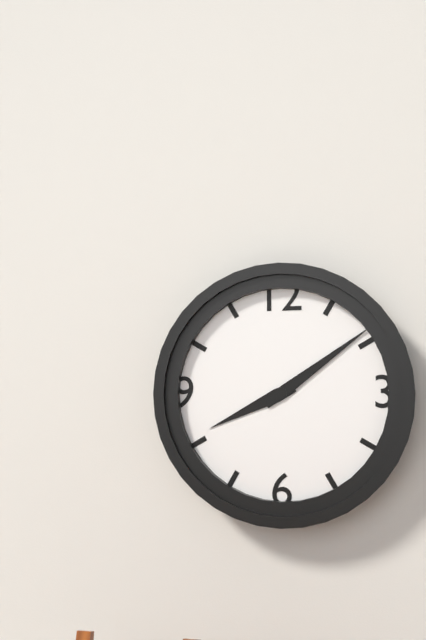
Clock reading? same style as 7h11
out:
8h09
